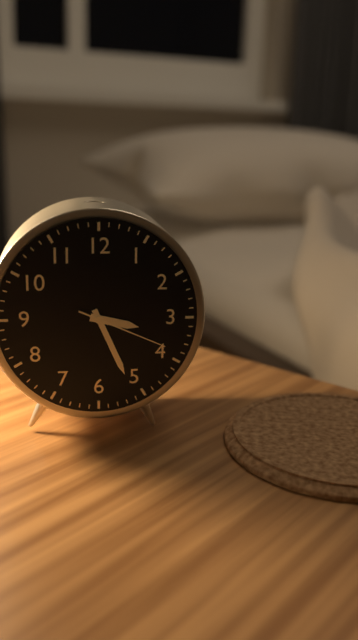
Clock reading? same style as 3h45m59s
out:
3h26m19s
